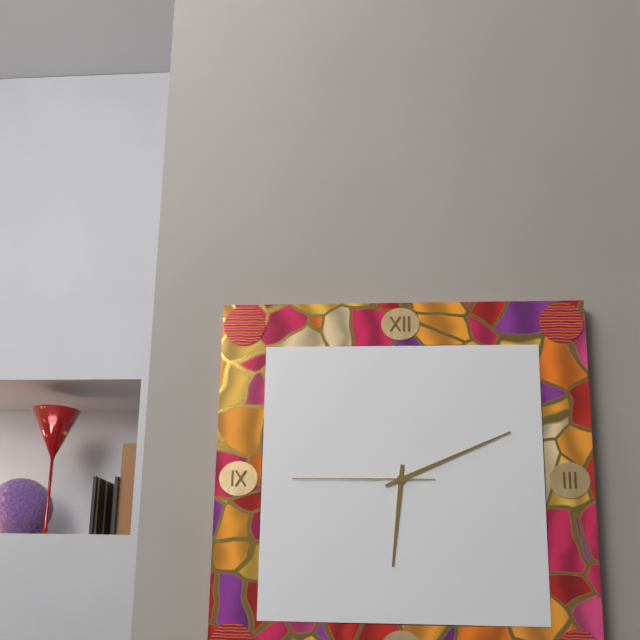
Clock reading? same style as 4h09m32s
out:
6h11m45s
